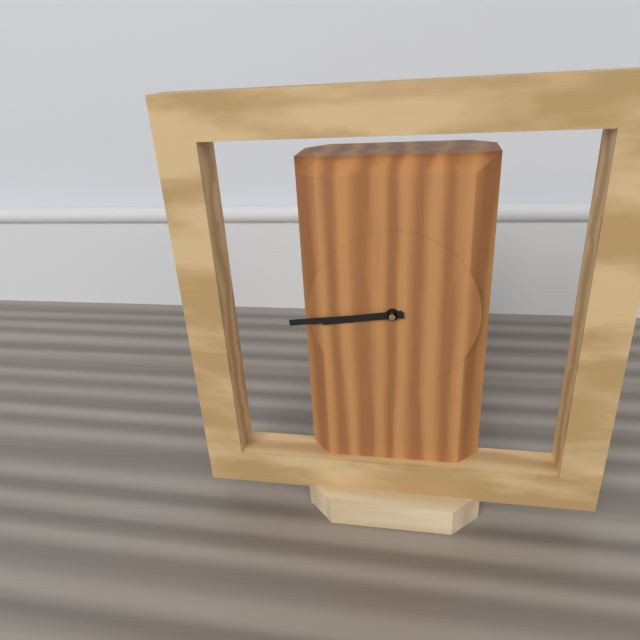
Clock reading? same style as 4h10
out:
8h44
